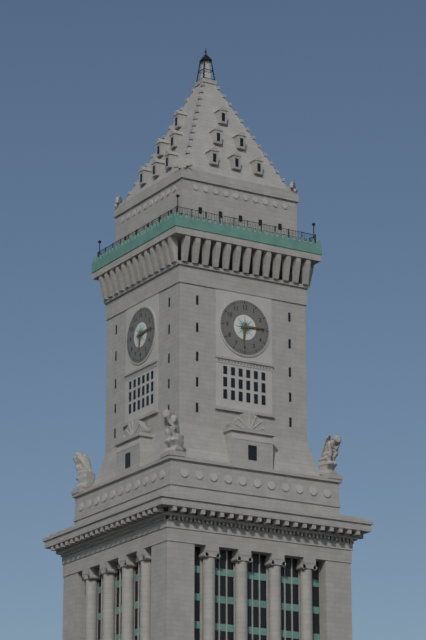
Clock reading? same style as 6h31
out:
6h14
